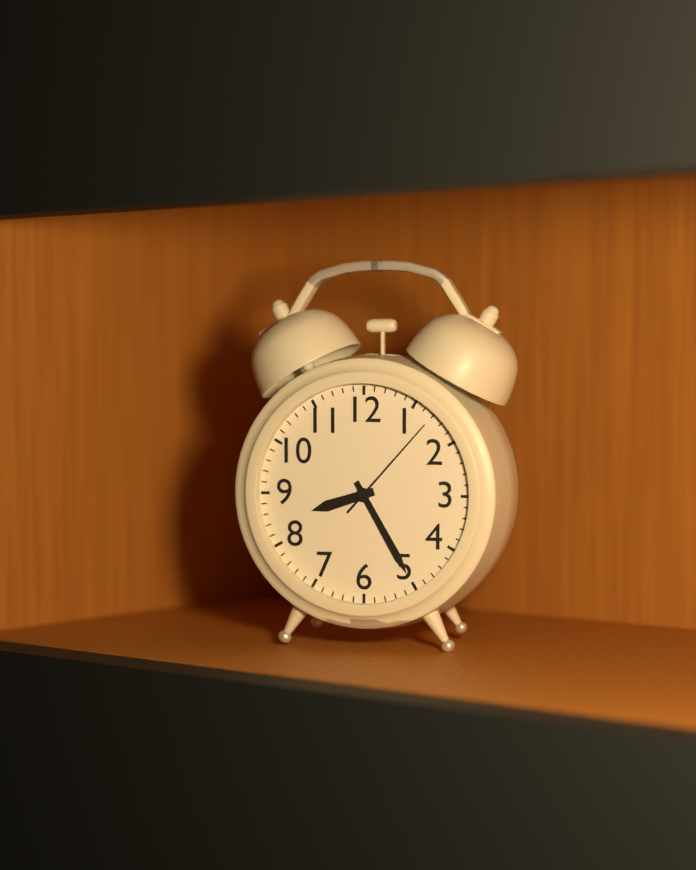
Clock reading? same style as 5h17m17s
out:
8h25m07s
